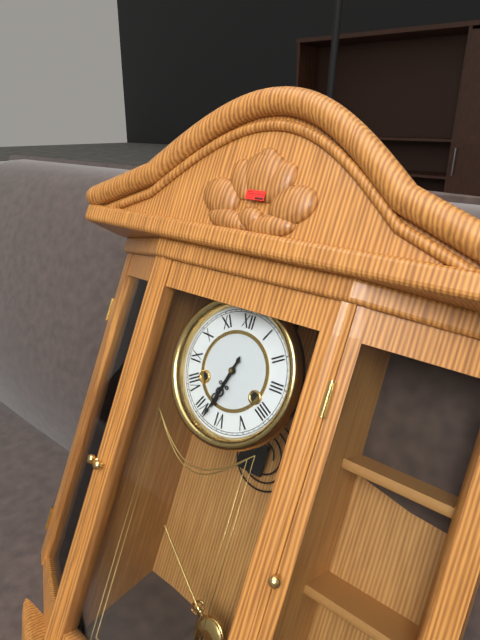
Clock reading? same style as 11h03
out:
6h33
